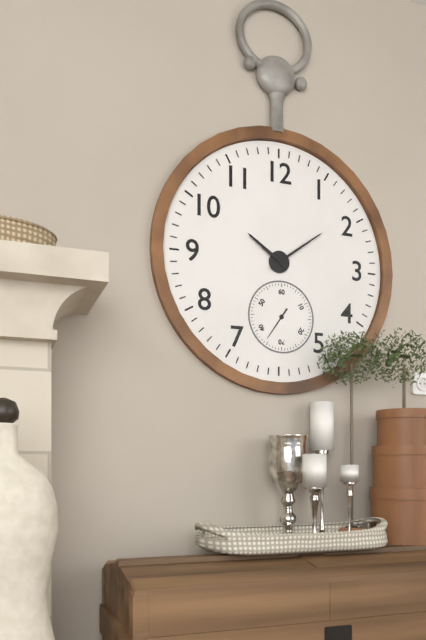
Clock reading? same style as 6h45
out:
10h09
